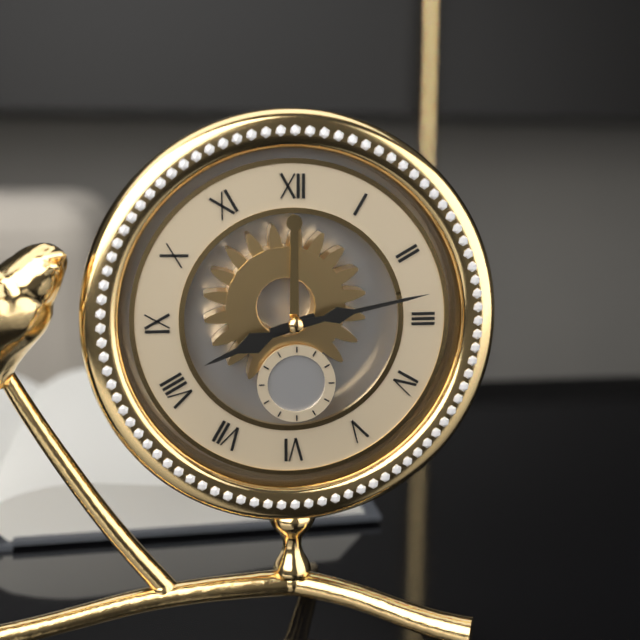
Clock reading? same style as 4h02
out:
8h13
